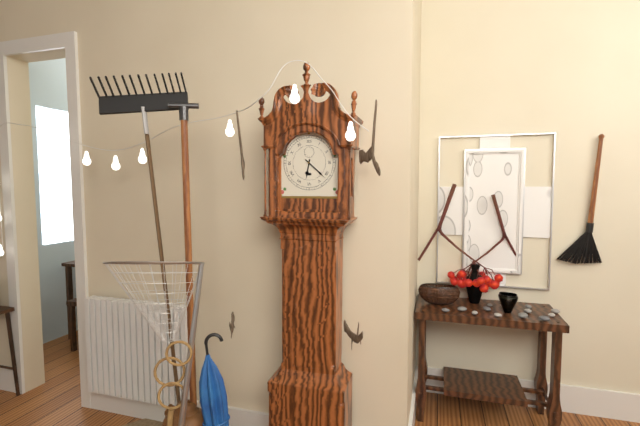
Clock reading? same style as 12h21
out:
6h22
